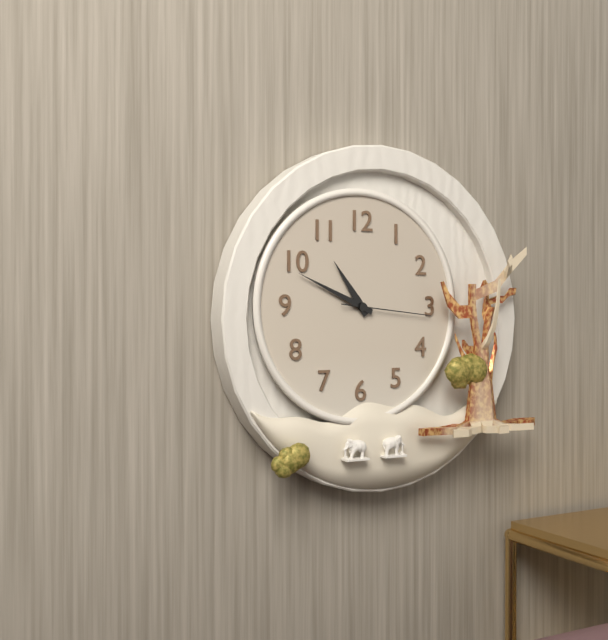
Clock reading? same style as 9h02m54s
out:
10h49m16s
